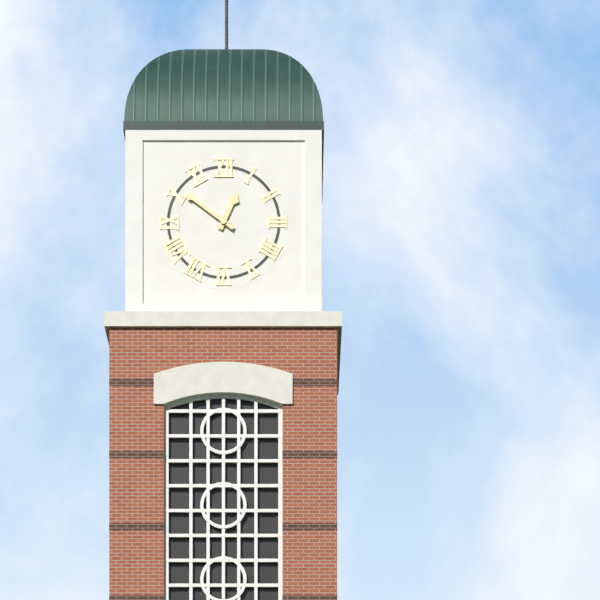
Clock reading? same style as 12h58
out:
12h51
